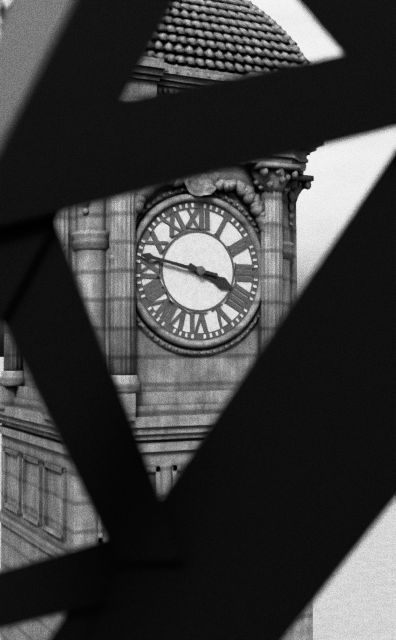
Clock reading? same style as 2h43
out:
3h47
